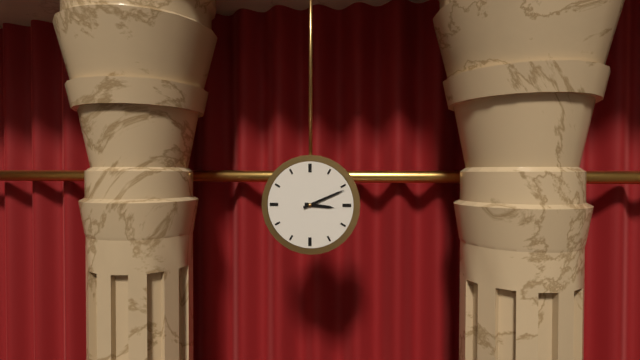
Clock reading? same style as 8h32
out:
3h11
